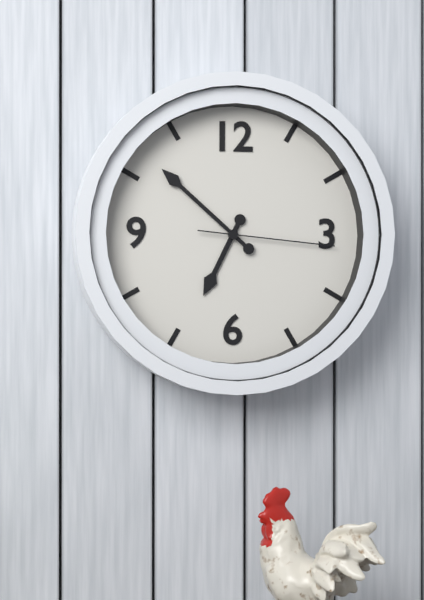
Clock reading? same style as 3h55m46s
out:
6h52m16s
